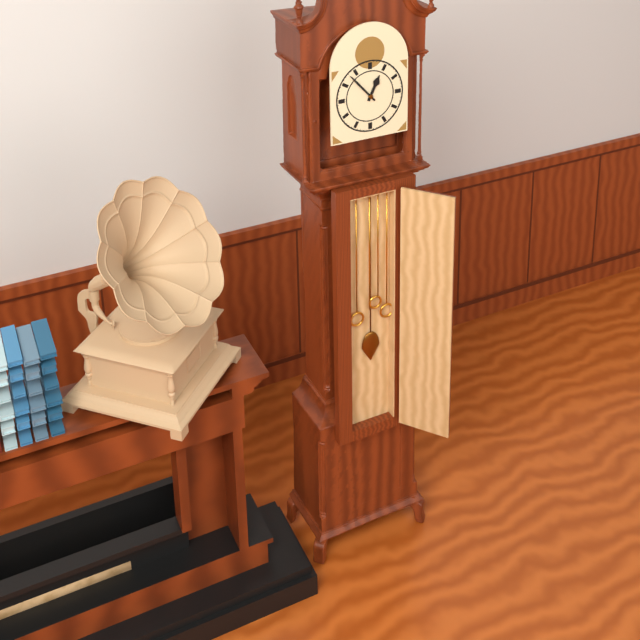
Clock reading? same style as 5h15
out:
12h53
